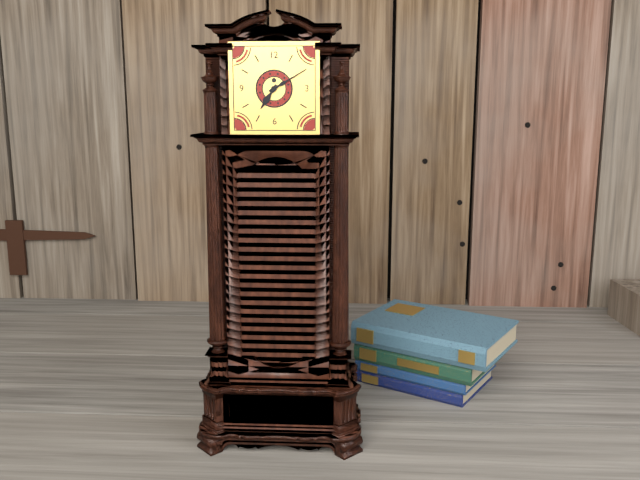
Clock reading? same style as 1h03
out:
7h10
